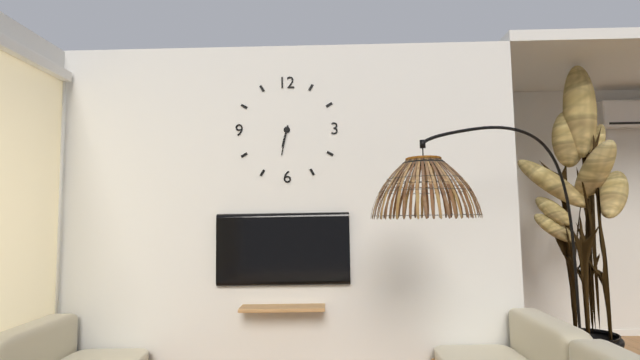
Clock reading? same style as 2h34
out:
6h32
